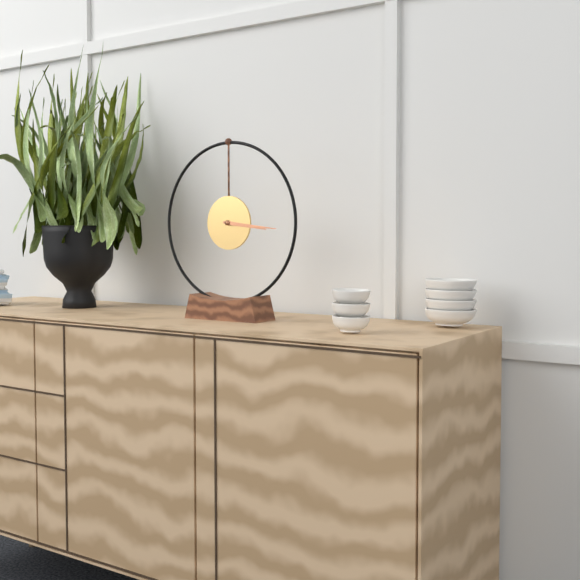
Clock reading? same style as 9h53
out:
3h16
